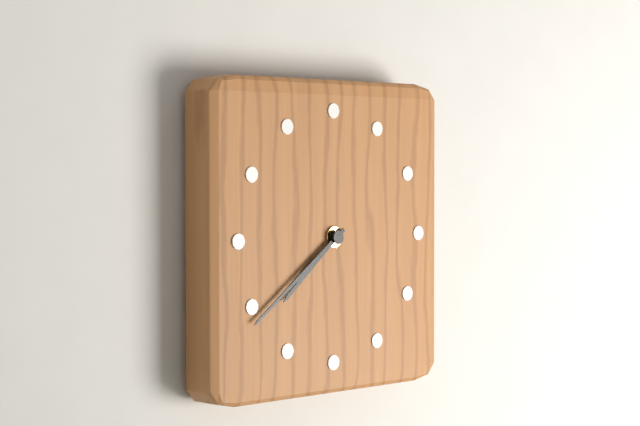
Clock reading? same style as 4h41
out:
7h39
